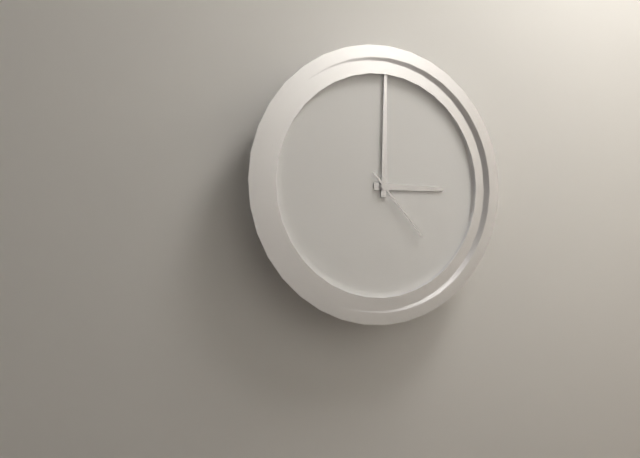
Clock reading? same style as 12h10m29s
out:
3h00m23s
